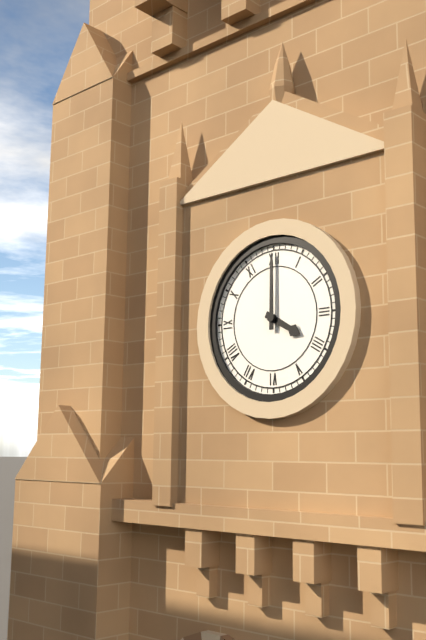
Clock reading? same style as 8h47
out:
4h00
